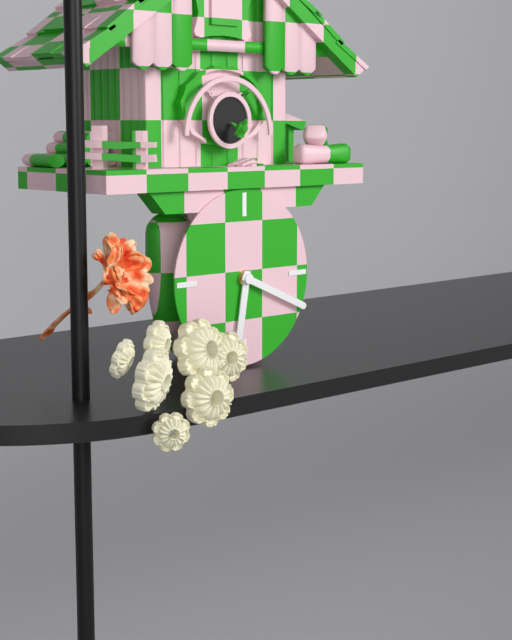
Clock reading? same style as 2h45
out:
6h19
